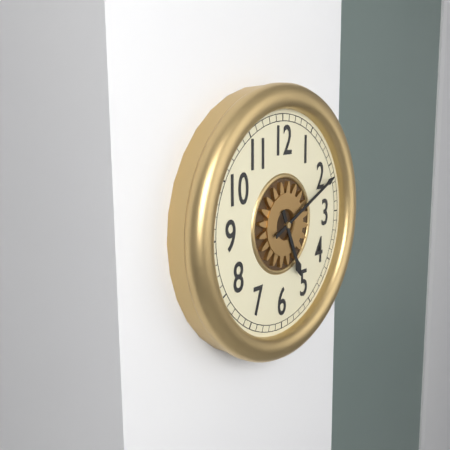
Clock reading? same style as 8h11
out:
5h11
